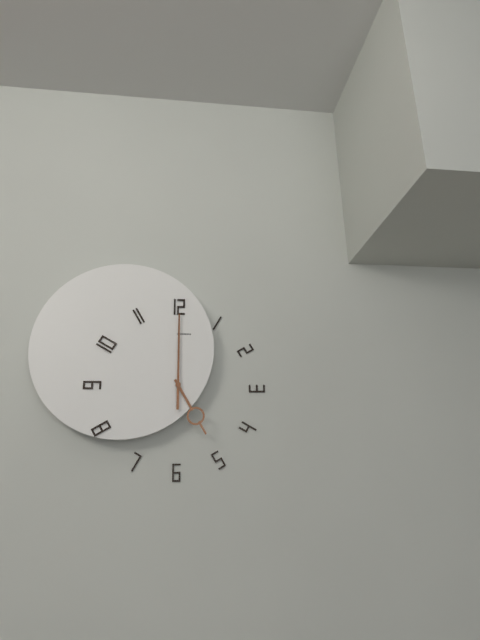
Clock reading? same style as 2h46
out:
5h00
